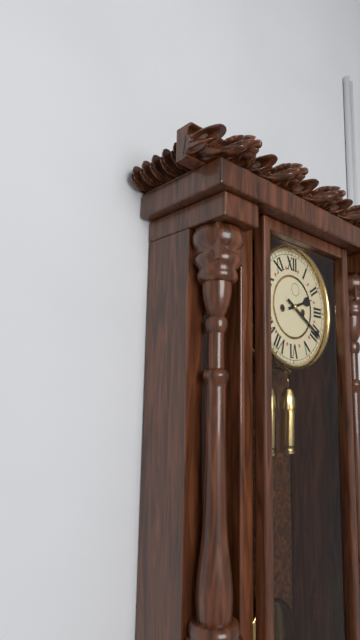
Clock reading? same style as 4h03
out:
2h20
